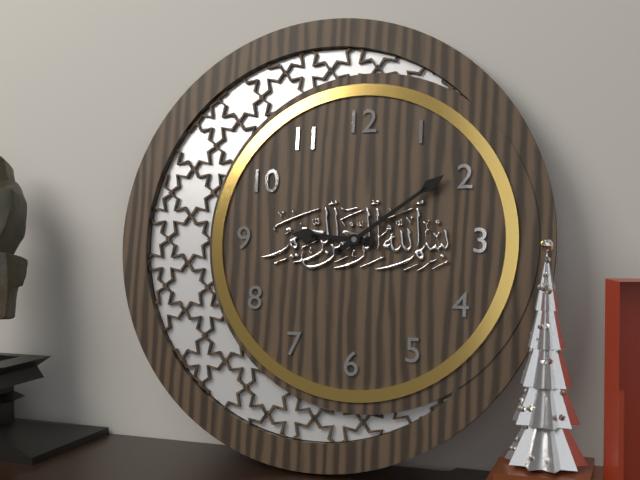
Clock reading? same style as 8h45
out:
9h09
